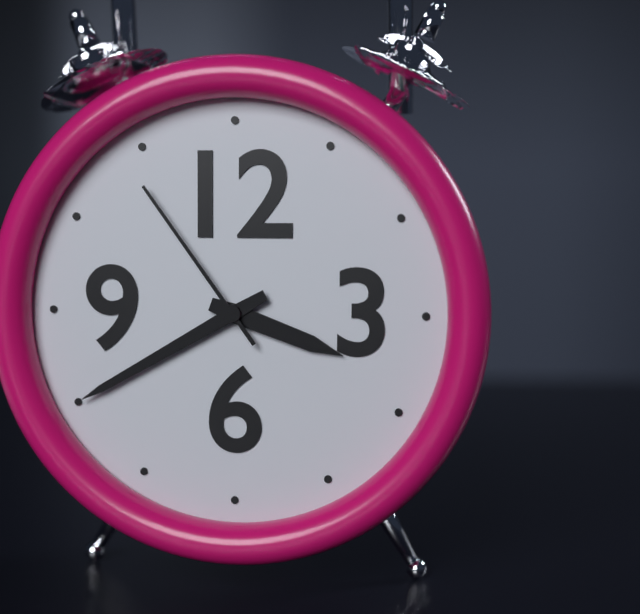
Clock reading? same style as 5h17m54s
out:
3h40m54s
